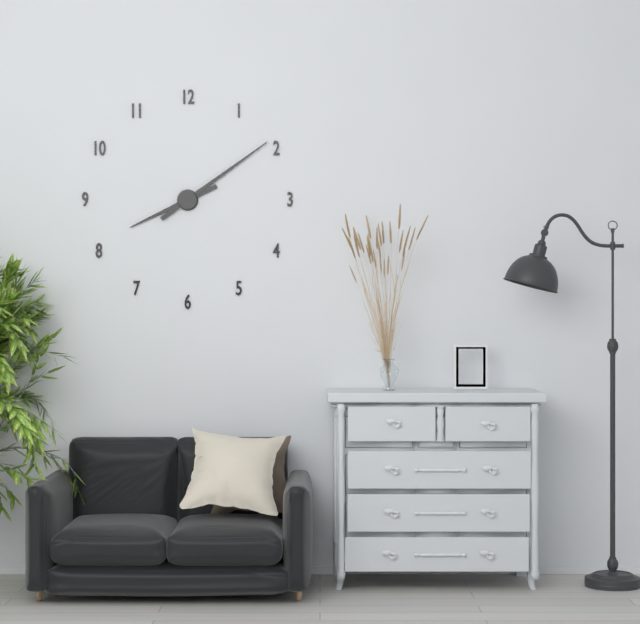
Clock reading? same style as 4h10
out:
8h09
